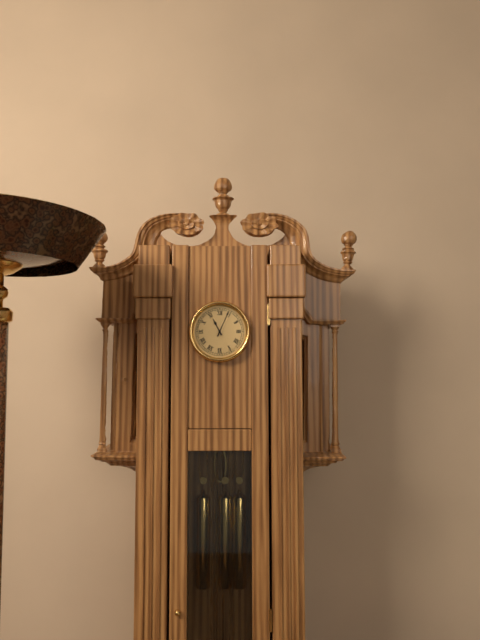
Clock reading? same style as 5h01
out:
11h04
